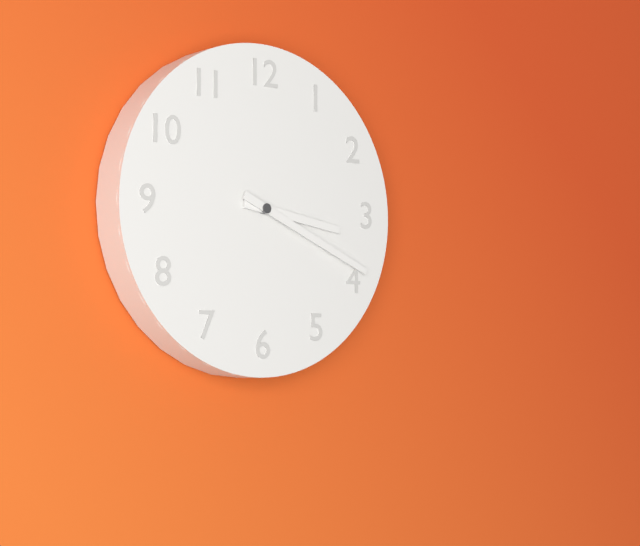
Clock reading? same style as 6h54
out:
3h19
